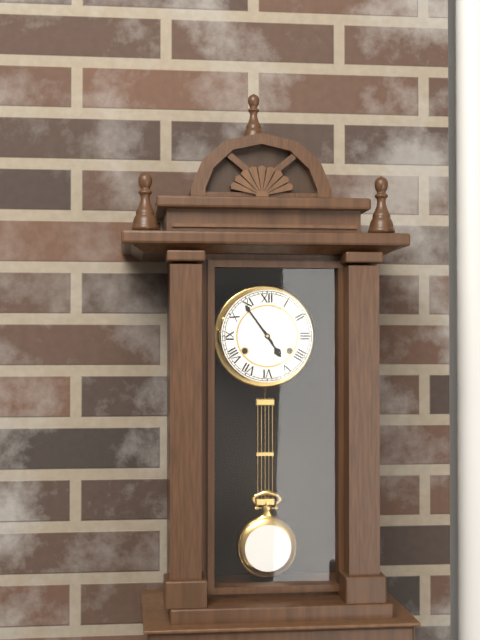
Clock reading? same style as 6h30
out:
4h54
